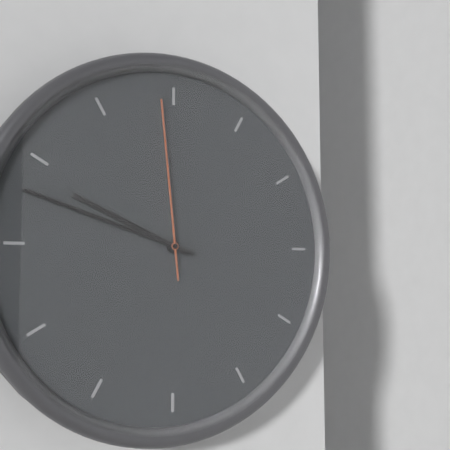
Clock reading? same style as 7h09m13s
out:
9h48m59s
